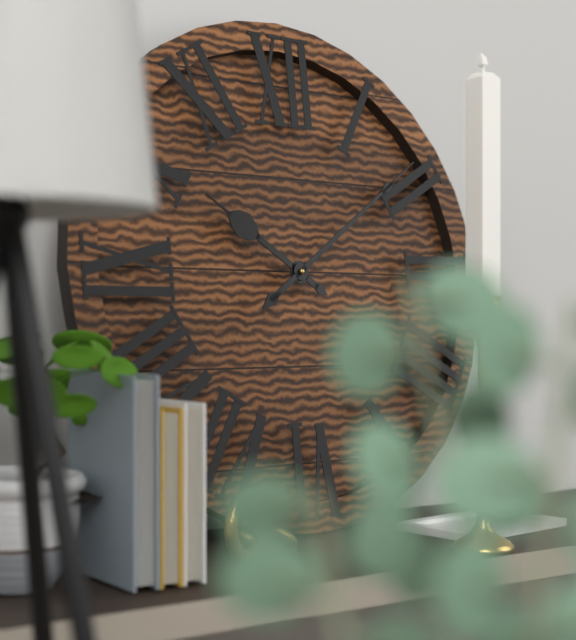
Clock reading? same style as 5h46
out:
10h09
